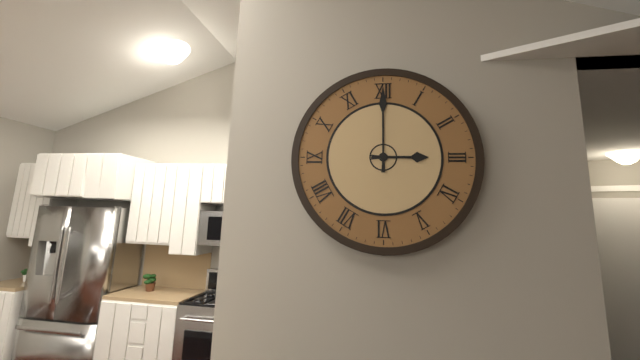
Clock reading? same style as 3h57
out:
3h00
